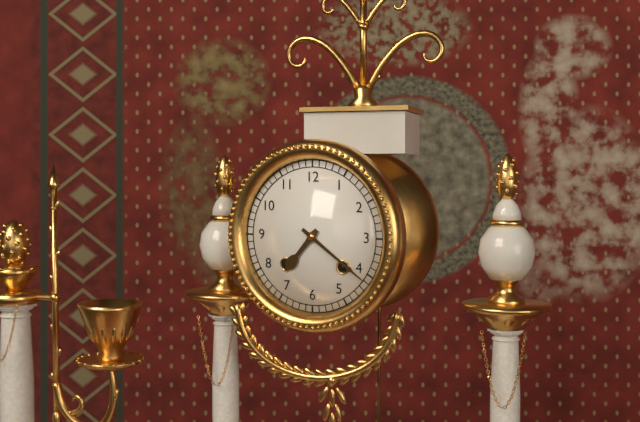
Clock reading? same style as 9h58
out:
7h21
